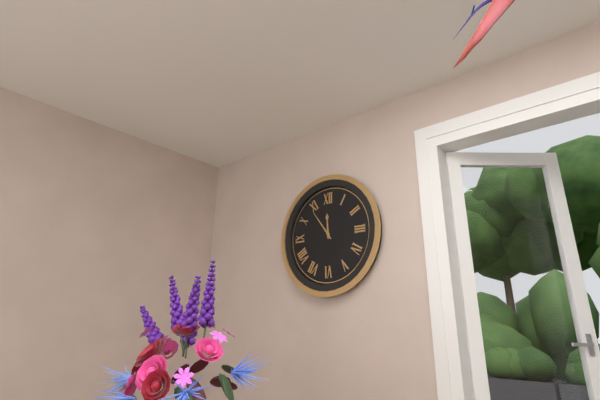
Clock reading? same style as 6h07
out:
11h54
